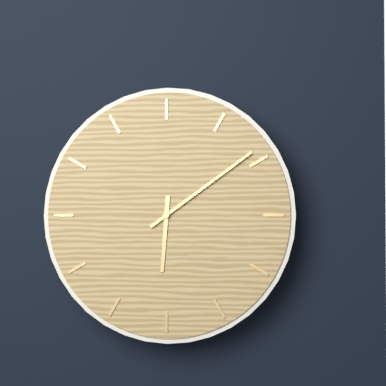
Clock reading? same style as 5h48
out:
6h09
